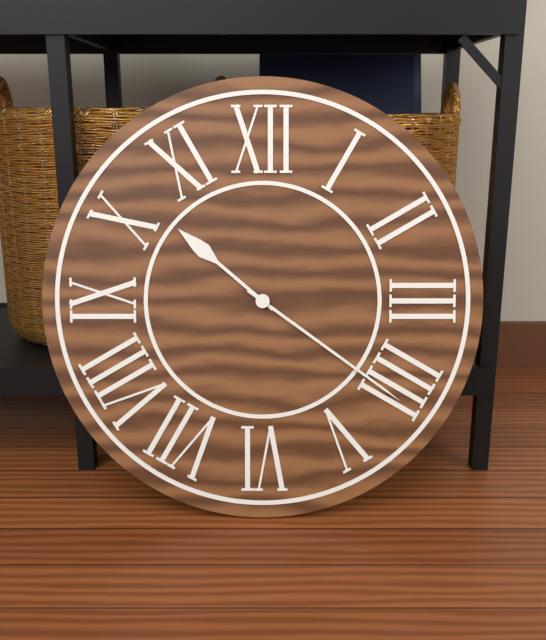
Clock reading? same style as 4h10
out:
10h21
